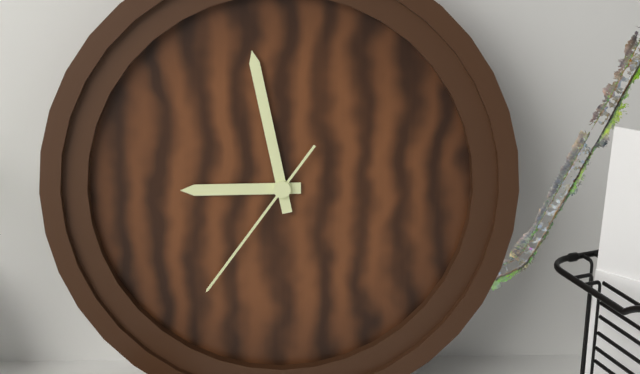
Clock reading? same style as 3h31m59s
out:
8h58m36s
